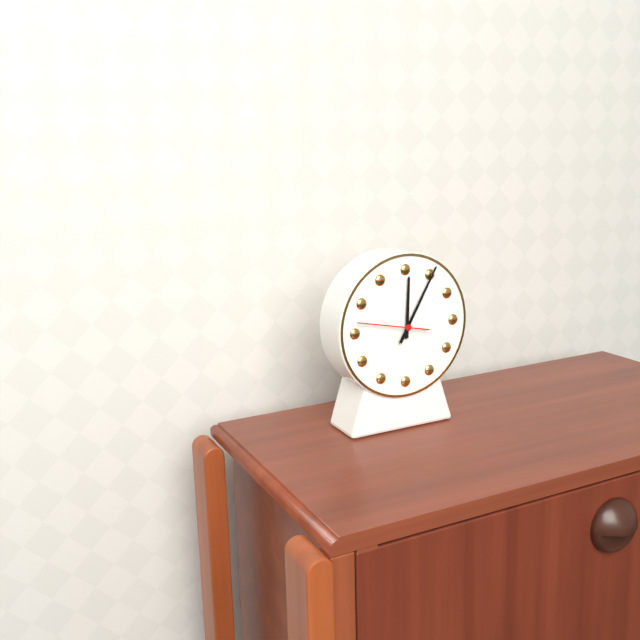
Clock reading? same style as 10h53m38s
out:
12h05m47s
